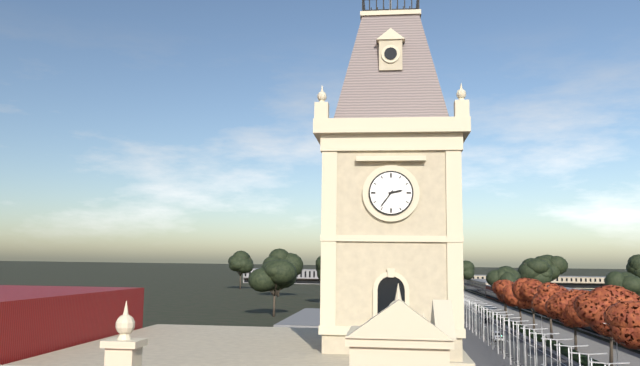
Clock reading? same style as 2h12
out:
2h36
